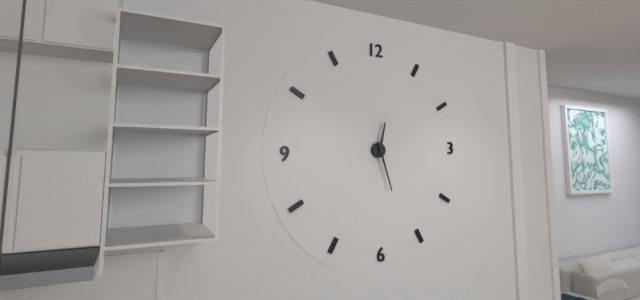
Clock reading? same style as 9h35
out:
12h27
